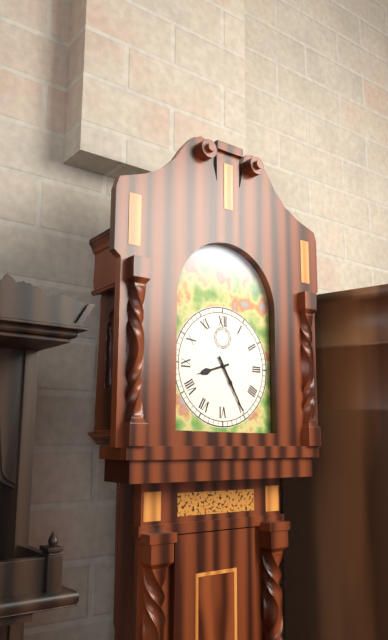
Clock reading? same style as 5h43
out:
8h25
